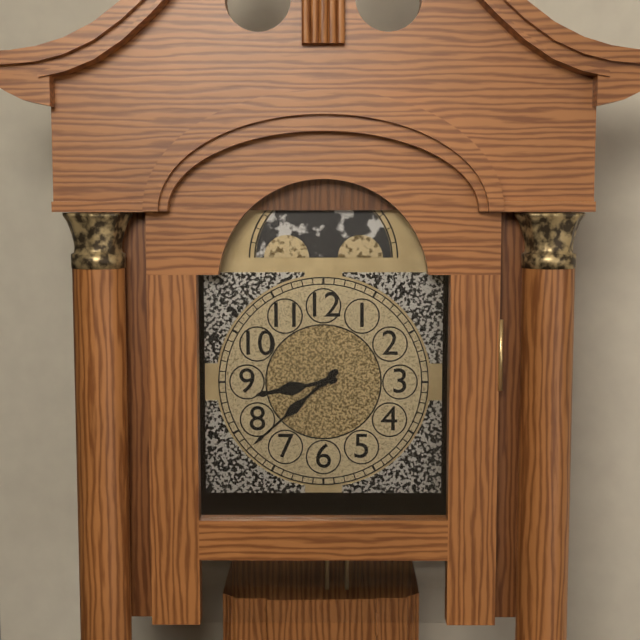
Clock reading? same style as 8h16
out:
8h38
